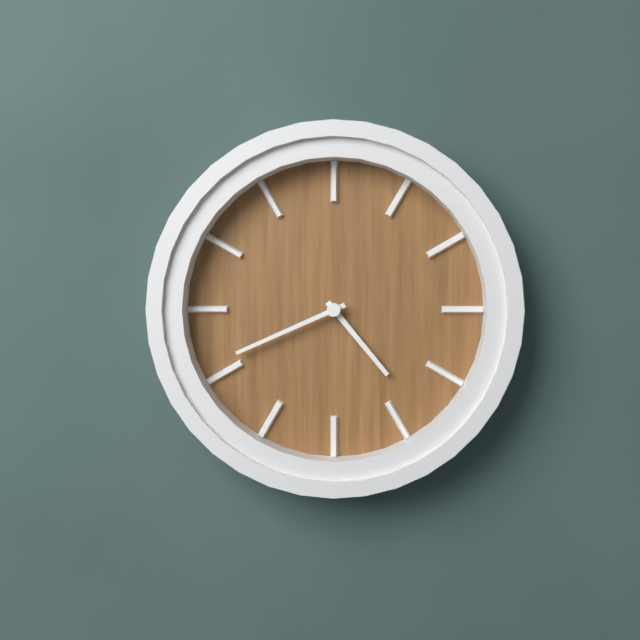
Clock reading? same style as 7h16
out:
4h41
